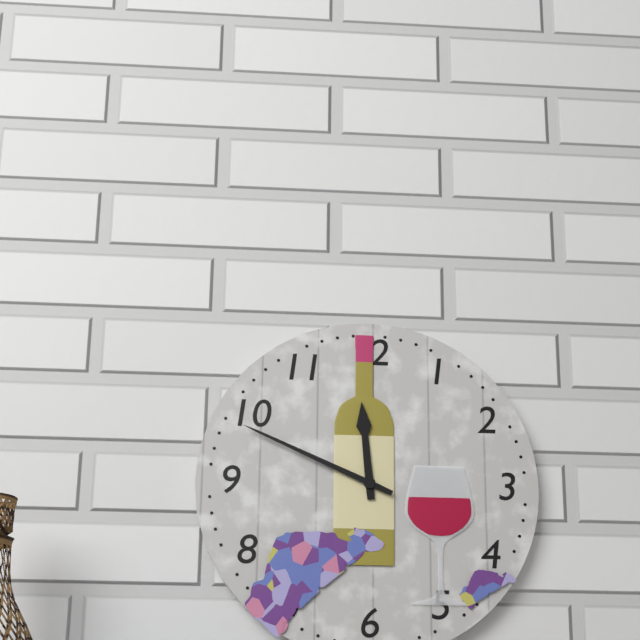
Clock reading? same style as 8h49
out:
11h49
